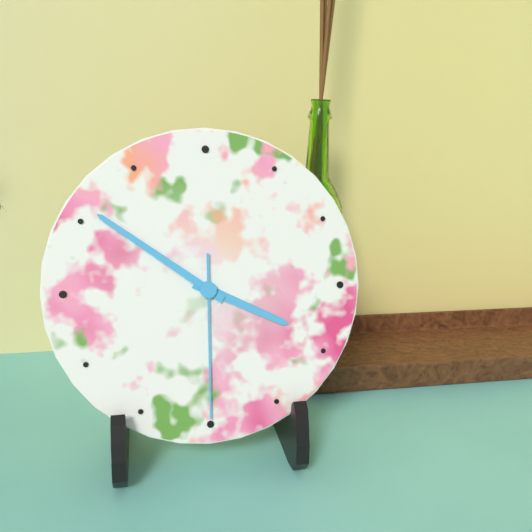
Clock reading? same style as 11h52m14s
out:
3h51m30s
